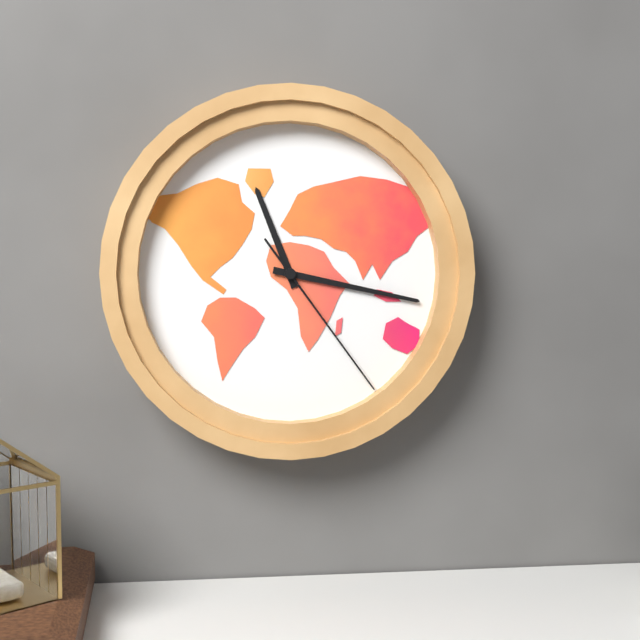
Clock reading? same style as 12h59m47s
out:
11h17m24s
